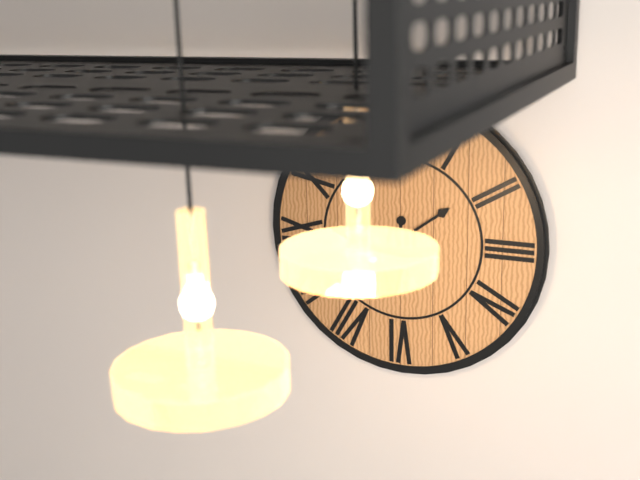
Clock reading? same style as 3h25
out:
6h09
